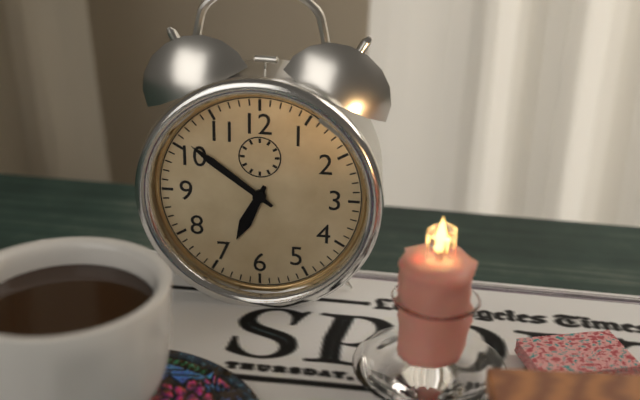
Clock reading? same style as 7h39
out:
6h51
